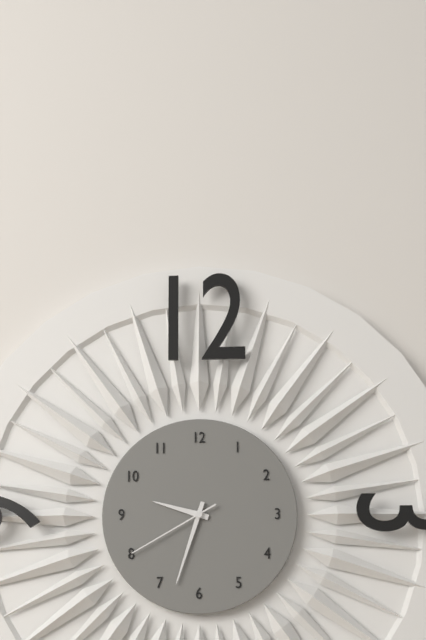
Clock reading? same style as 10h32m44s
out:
9h33m40s
